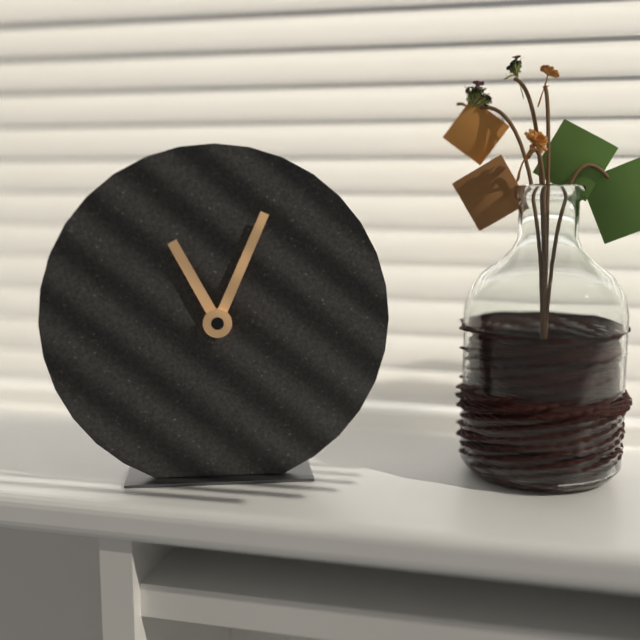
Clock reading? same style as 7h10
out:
11h04
